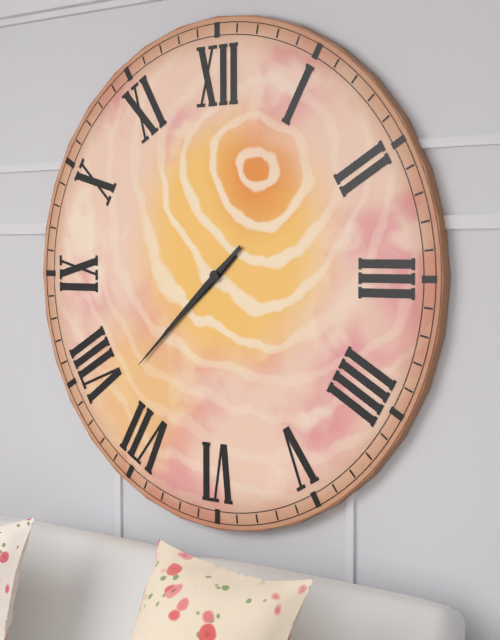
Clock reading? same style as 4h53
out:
7h38
